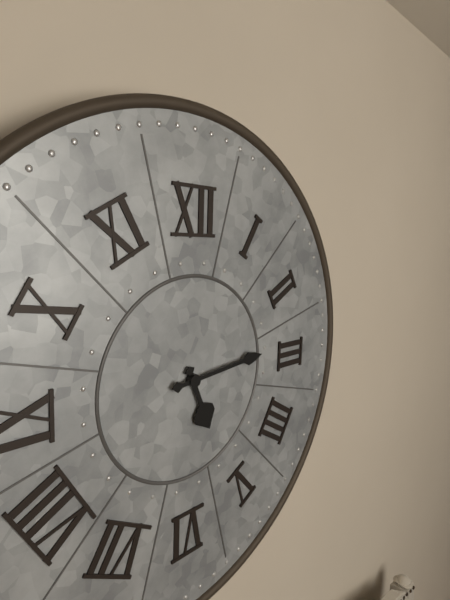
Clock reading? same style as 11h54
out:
5h14
